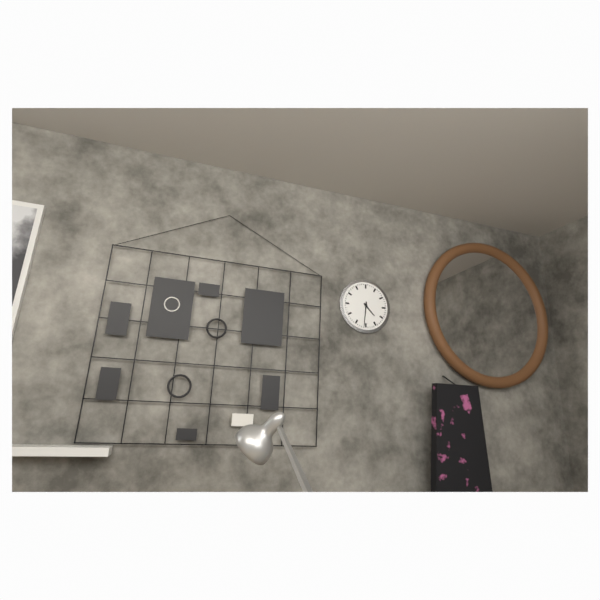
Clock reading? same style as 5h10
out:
4h31
